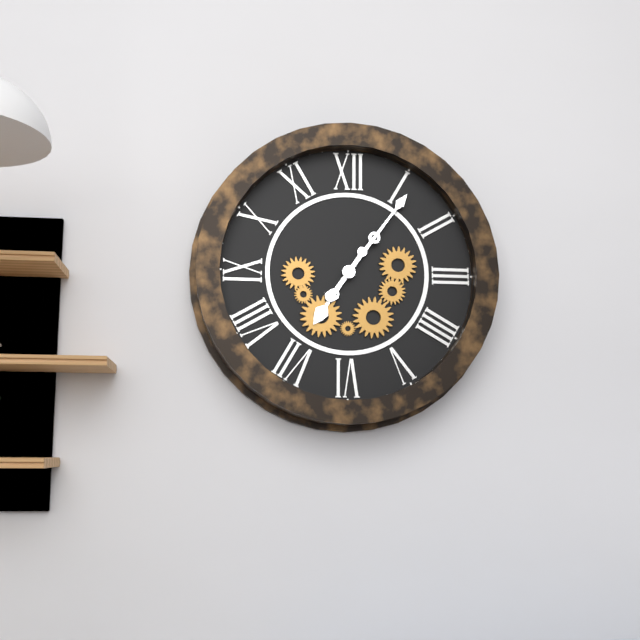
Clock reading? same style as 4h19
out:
7h06
